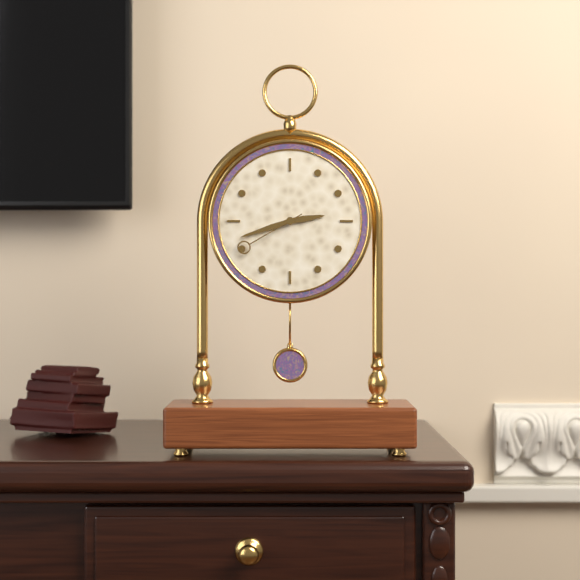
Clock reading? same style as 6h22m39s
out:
2h42m40s
